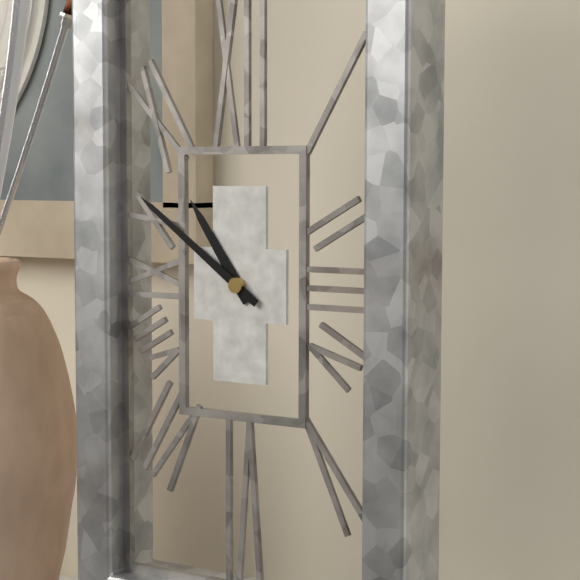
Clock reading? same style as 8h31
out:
10h51
